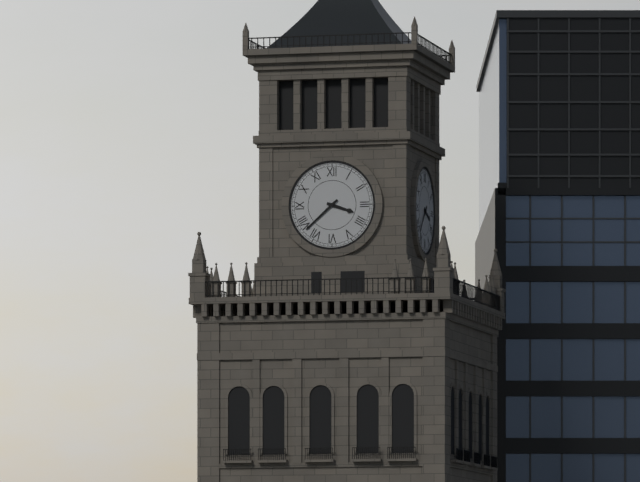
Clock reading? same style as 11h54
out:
3h38
